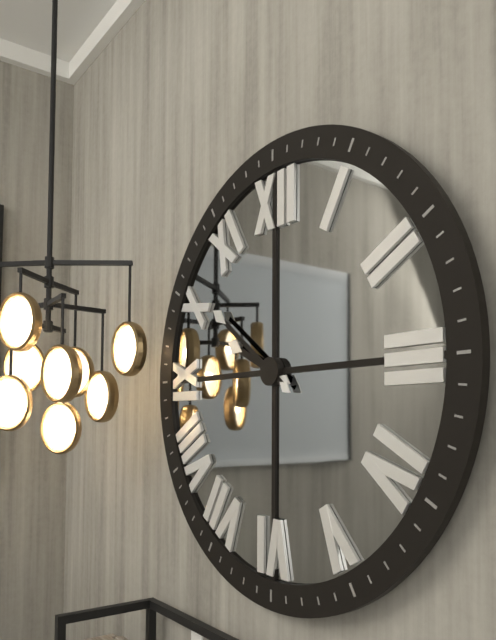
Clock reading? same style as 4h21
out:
9h51
